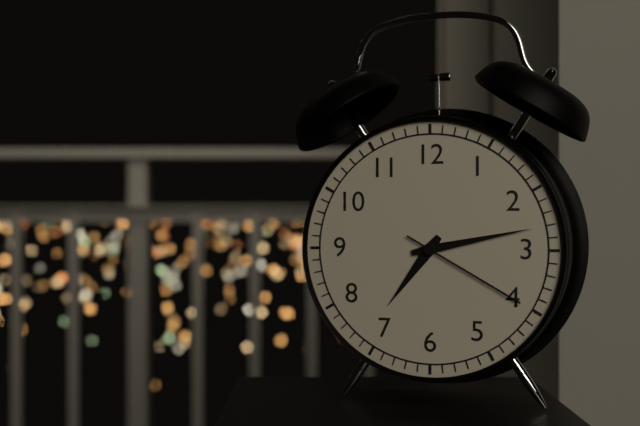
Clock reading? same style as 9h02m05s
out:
7h13m20s
